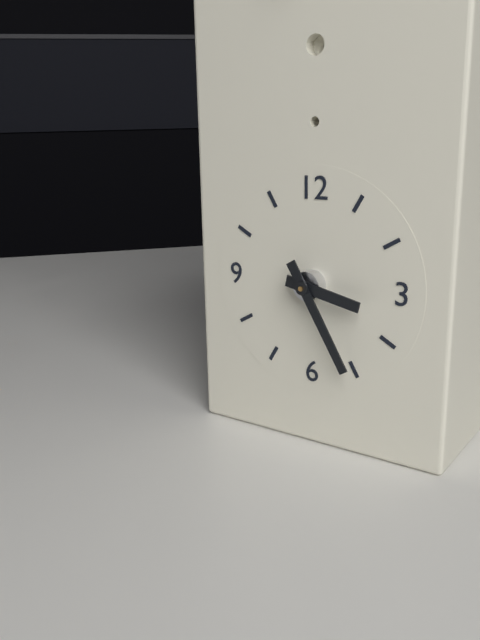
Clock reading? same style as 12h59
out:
3h25
